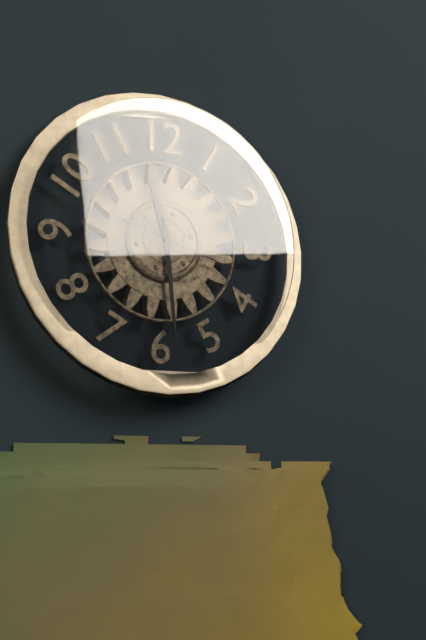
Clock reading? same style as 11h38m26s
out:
11h29m18s
